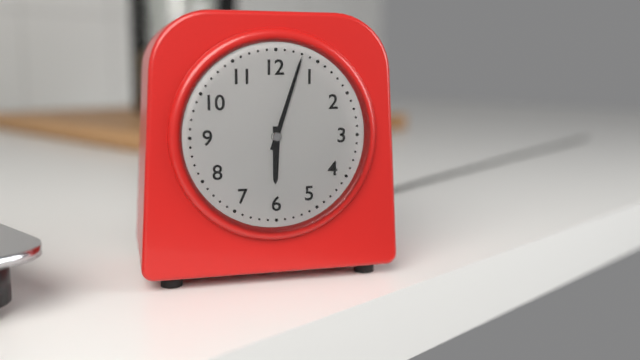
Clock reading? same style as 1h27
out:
6h03
